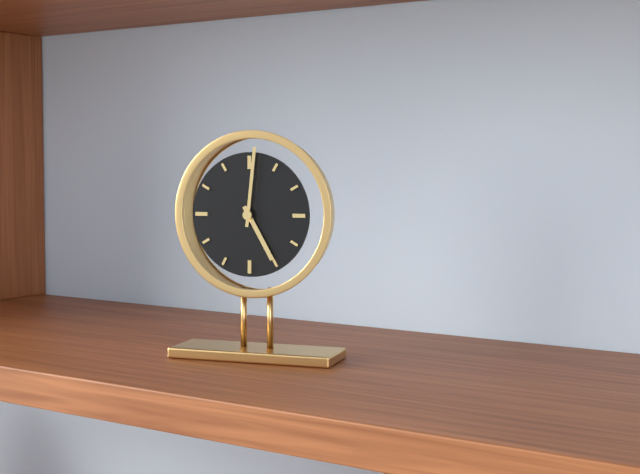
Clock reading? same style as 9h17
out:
5h01
